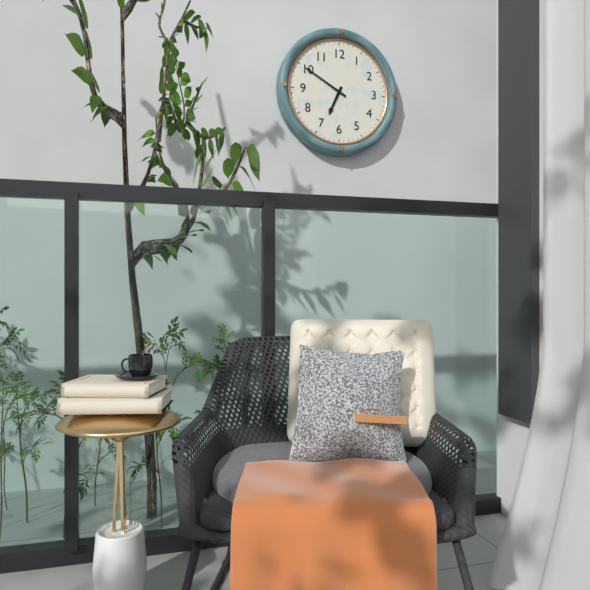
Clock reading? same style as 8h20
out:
6h50
